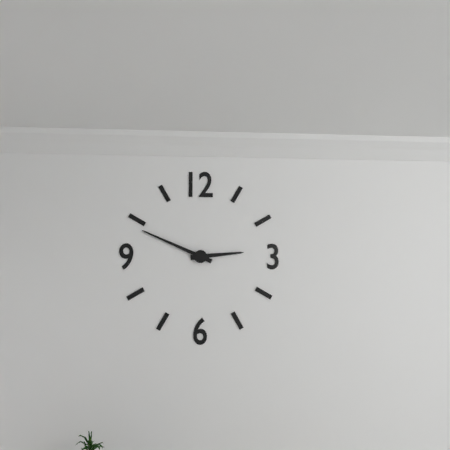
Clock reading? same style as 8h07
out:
2h49
